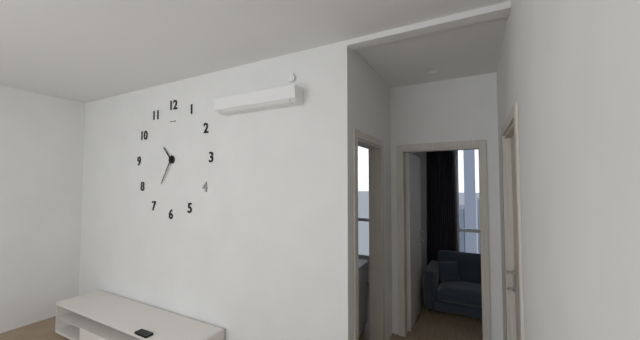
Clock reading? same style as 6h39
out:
10h35
